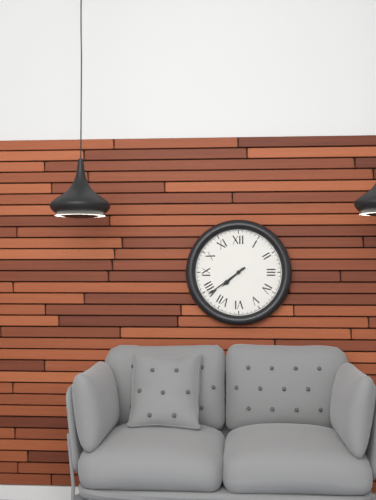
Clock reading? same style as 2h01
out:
7h39
